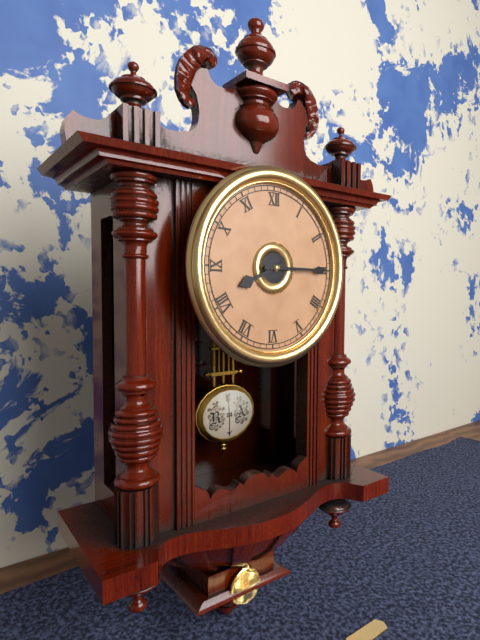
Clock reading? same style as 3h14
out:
8h15
